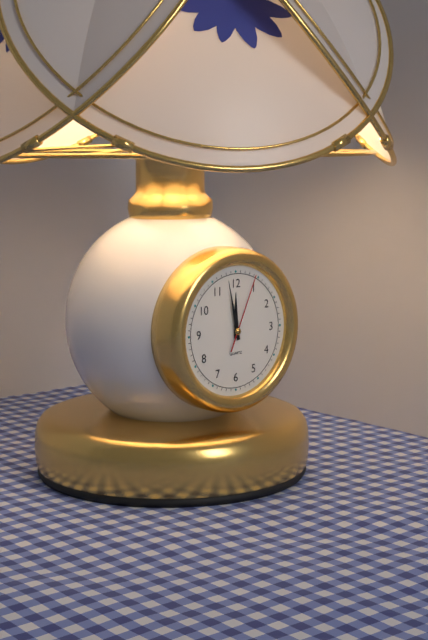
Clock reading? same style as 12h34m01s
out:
11h58m04s
